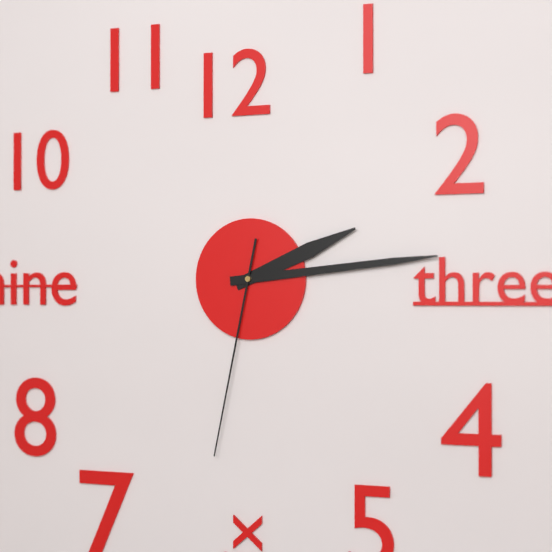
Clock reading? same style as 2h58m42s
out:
2h14m32s
